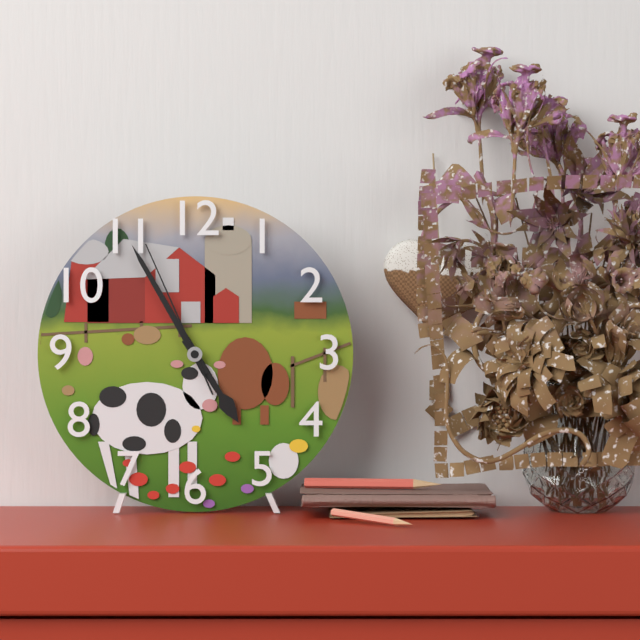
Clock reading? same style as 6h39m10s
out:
4h55m56s
